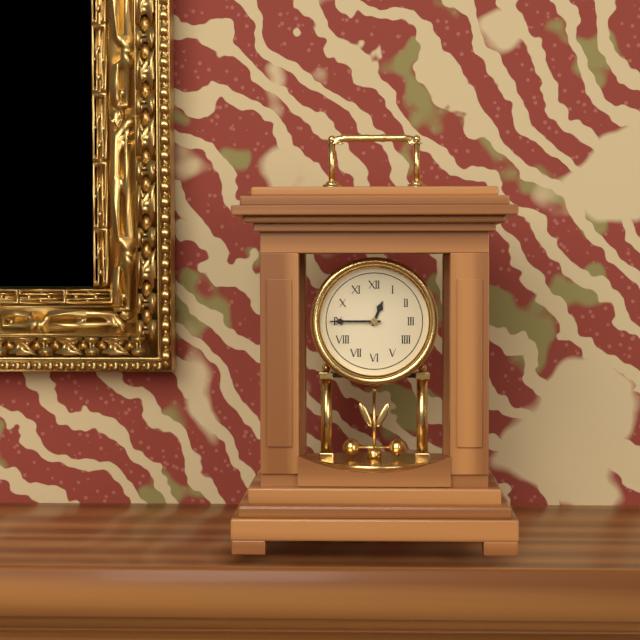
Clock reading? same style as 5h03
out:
12h45
